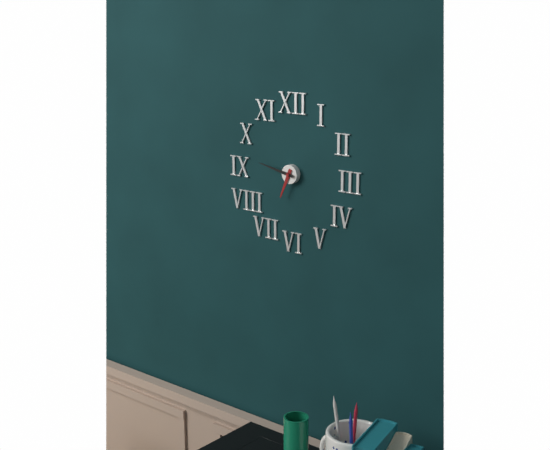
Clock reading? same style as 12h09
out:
6h47
